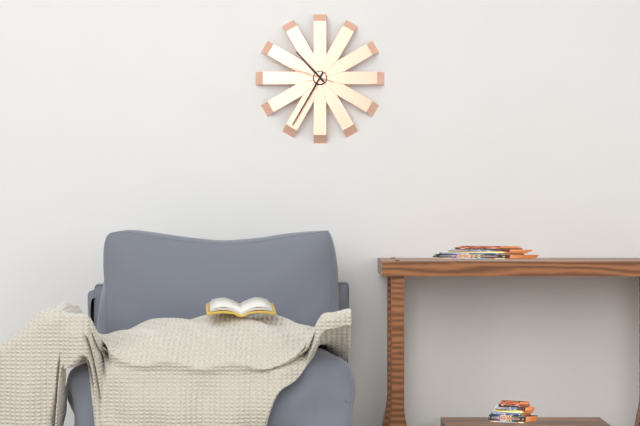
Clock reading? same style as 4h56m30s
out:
10h35m48s
